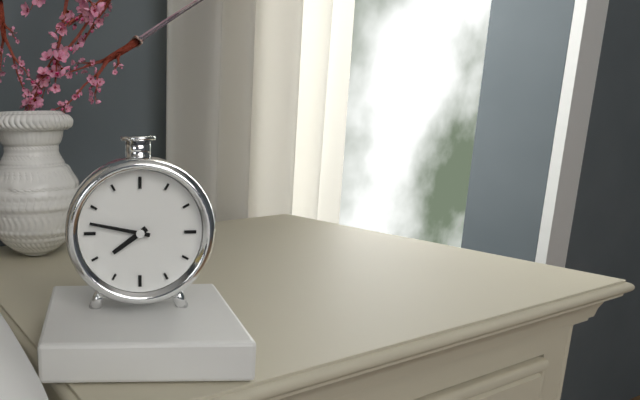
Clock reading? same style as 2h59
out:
7h47
